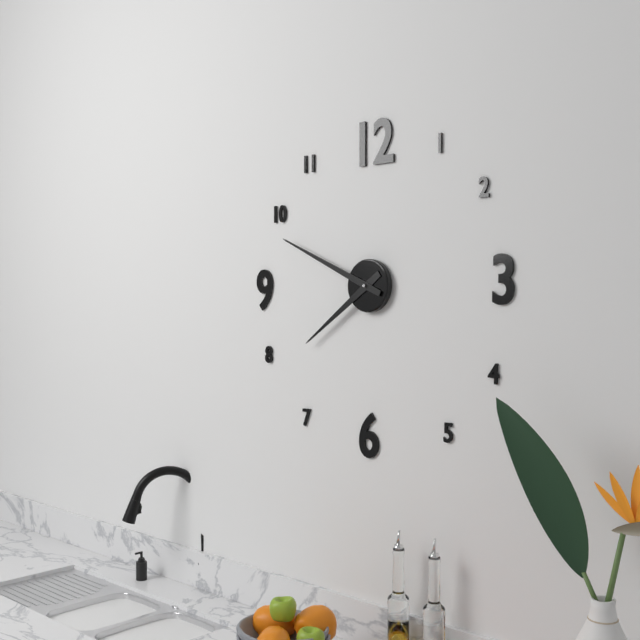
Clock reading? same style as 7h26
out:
7h49
